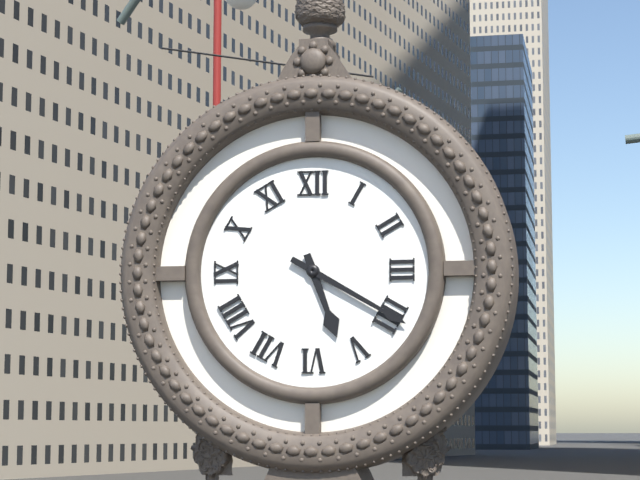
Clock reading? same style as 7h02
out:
5h20
